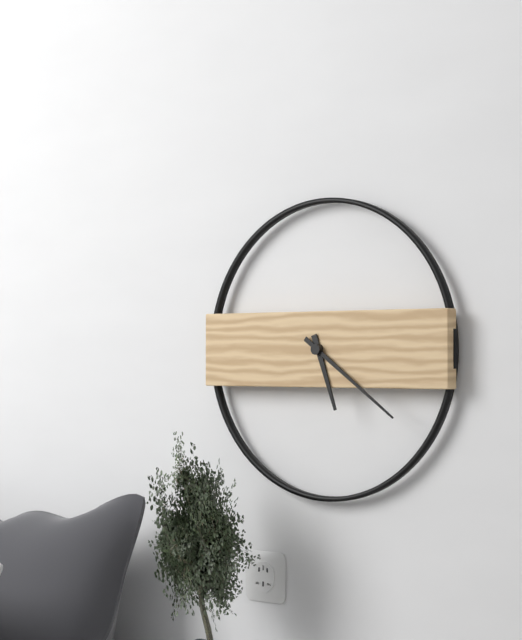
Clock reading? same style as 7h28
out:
5h21
